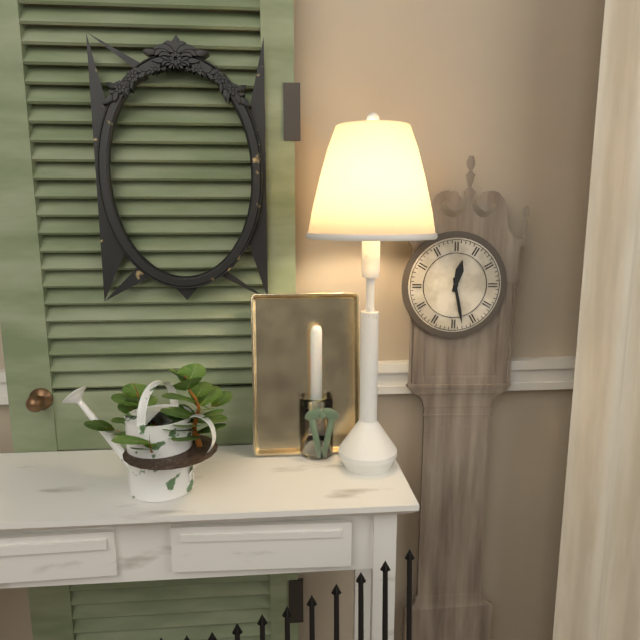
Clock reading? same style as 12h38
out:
12h28
